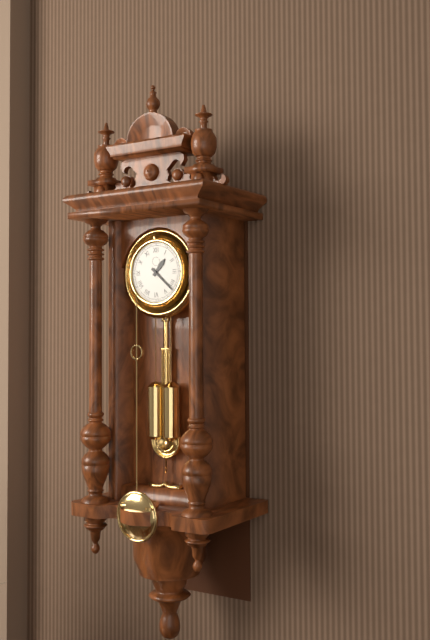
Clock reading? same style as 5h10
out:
1h22
